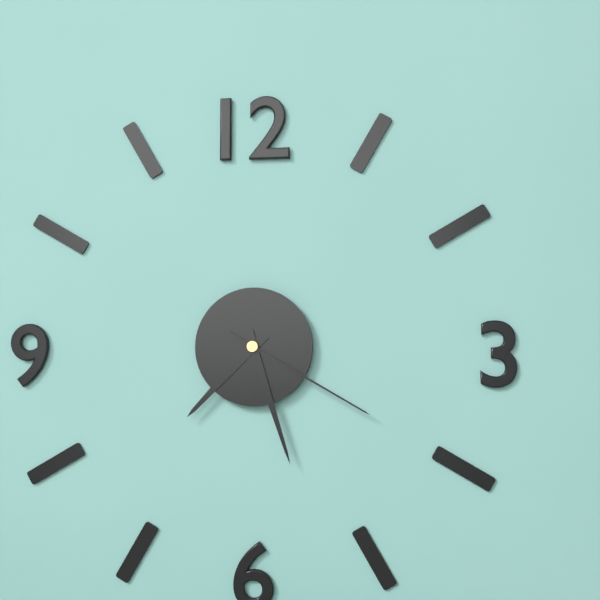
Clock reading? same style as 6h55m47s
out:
7h27m20s
